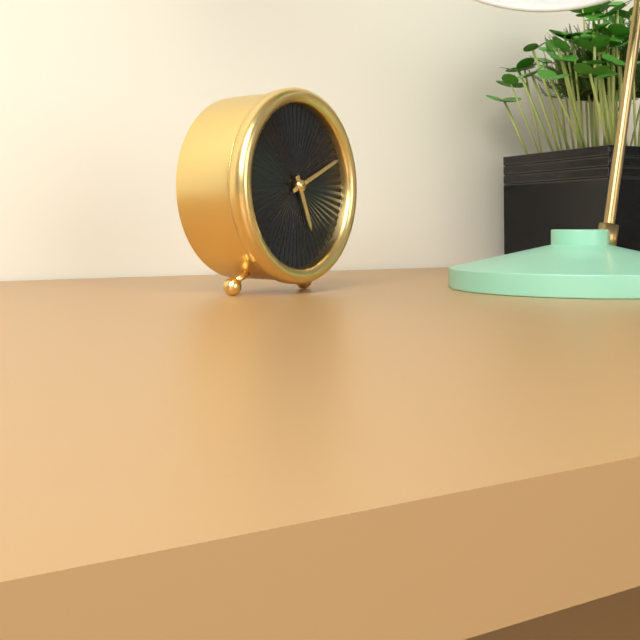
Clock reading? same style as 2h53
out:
5h11
